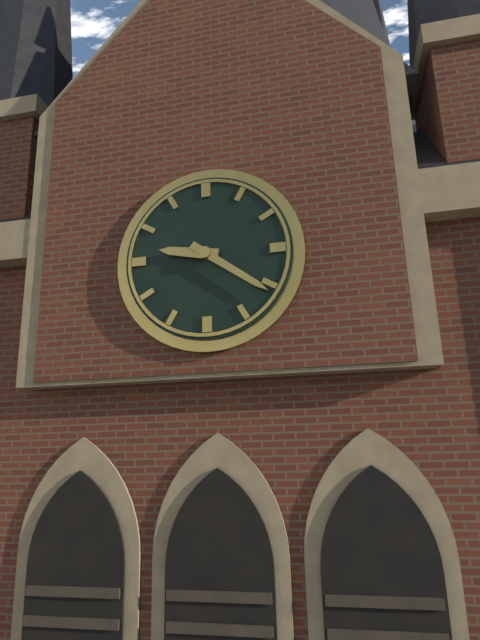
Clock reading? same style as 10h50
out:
9h21
